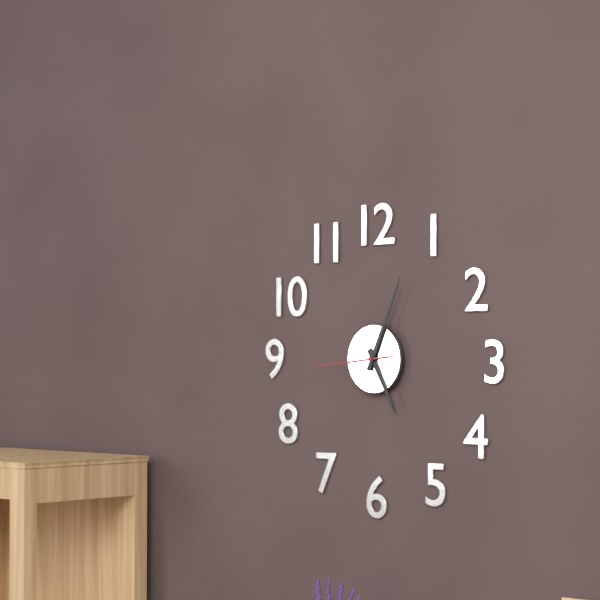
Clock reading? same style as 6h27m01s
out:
5h04m44s
